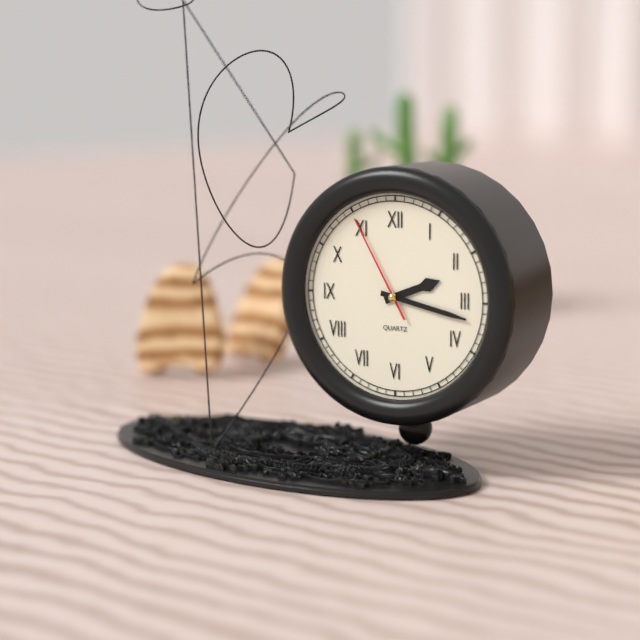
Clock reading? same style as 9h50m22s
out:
2h17m55s
